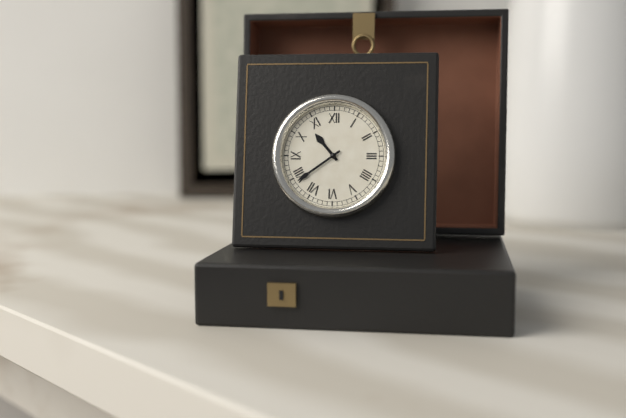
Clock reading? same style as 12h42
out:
10h39
